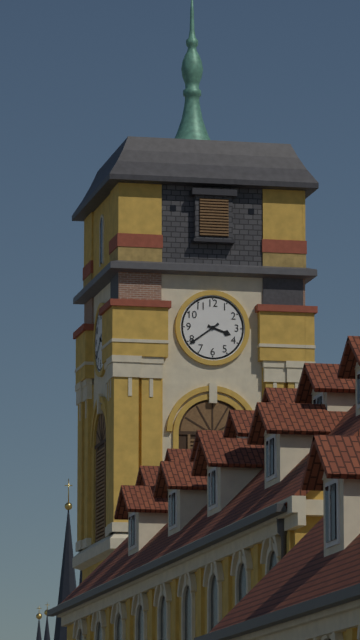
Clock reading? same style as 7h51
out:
3h39
